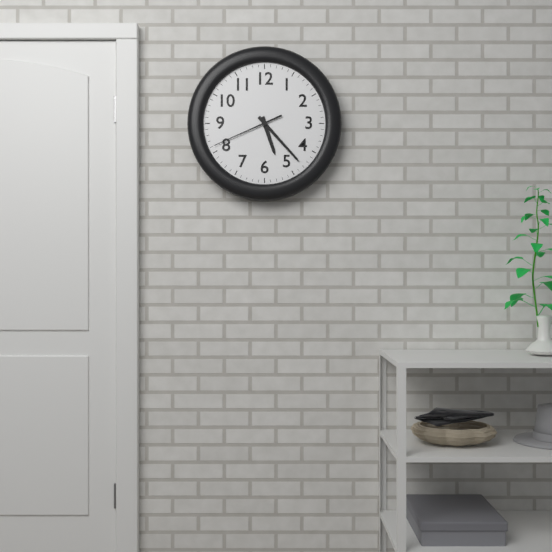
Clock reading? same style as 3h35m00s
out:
5h23m41s
